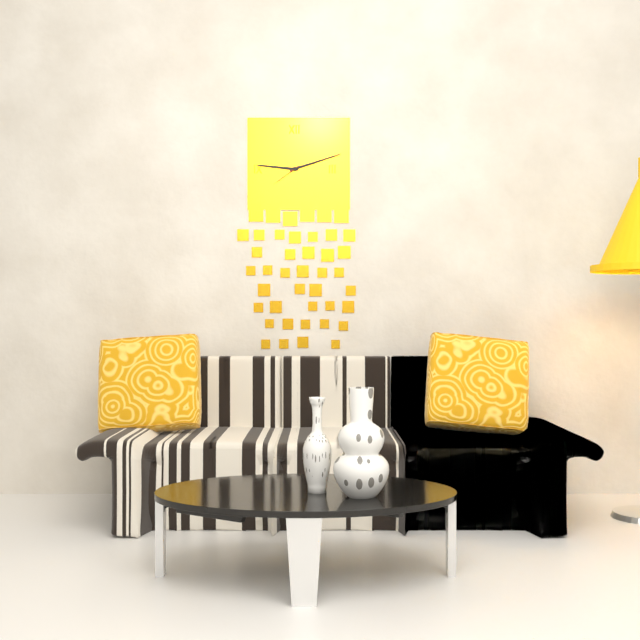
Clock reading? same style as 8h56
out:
9h12
